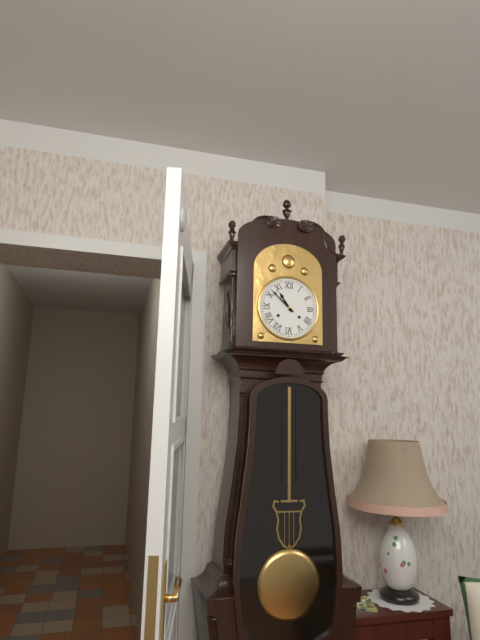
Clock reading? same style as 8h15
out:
10h52
